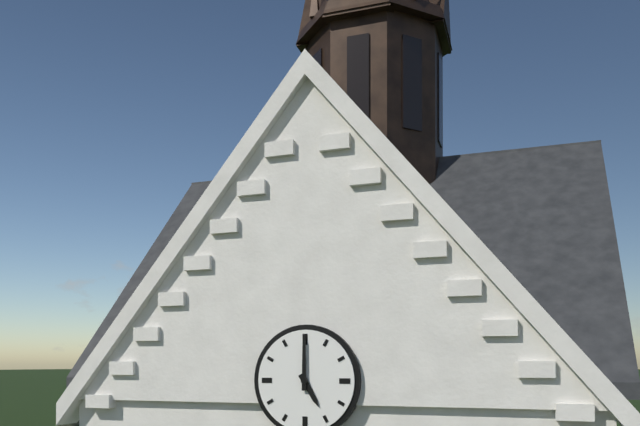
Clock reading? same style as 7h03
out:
5h00
